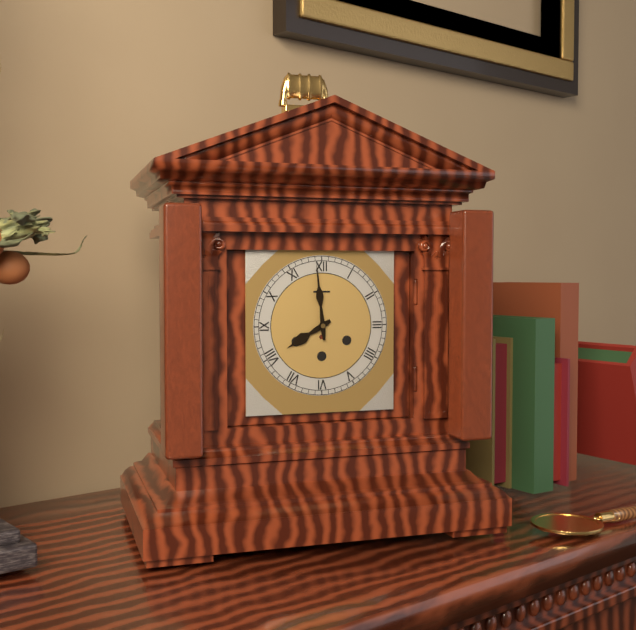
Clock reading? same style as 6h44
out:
7h59
